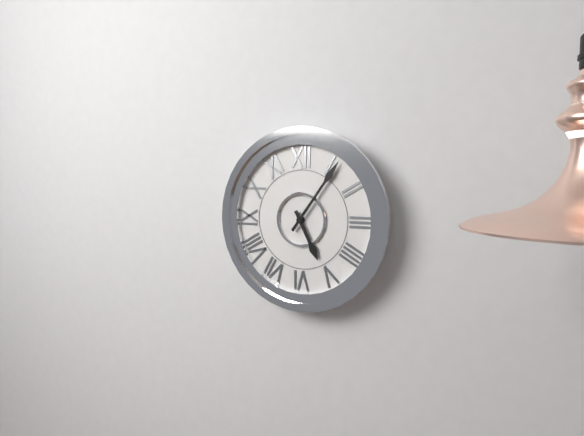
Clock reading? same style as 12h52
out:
5h06
